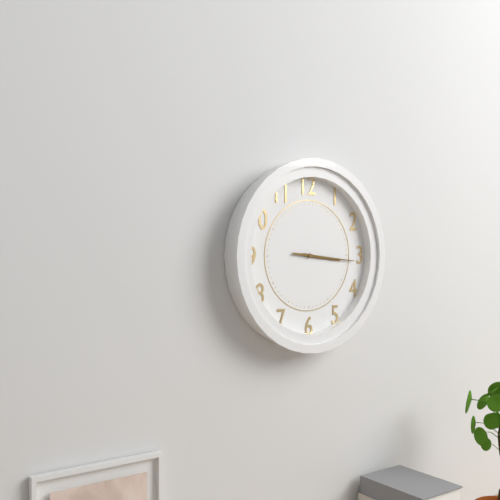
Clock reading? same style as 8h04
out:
3h16
